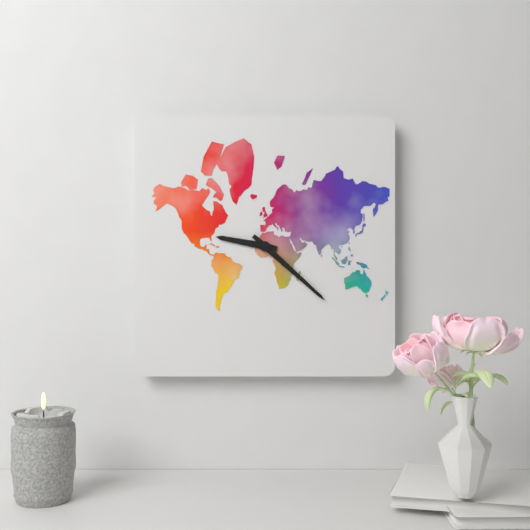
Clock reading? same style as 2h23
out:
9h22
